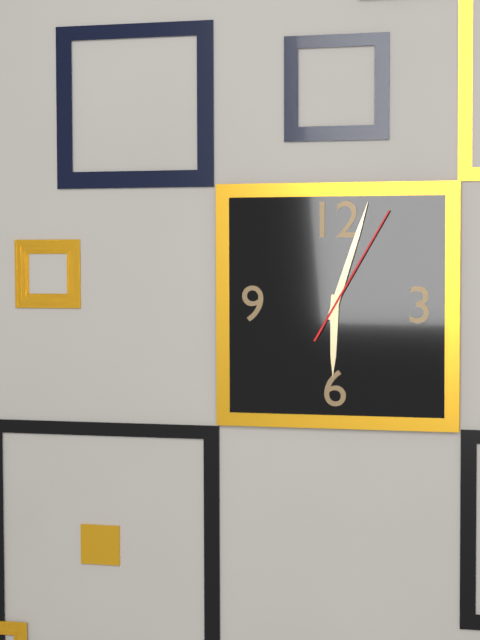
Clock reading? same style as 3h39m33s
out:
6h03m05s
